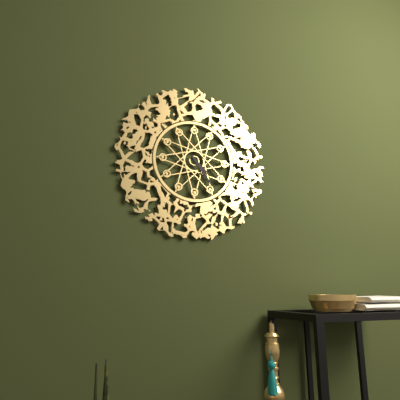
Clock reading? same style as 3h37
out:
4h24
